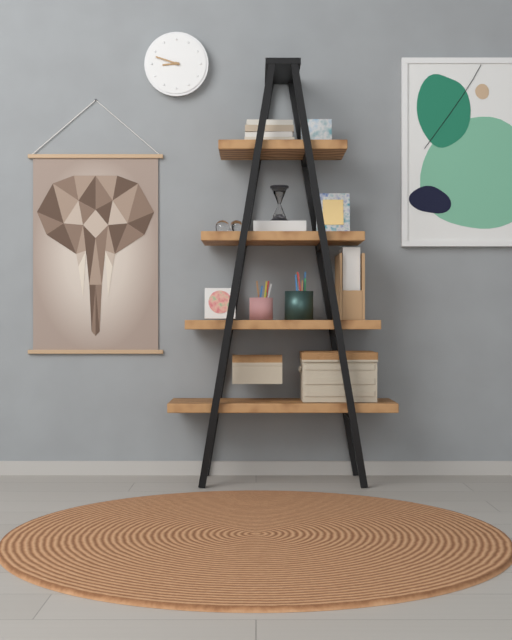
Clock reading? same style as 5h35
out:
8h48
